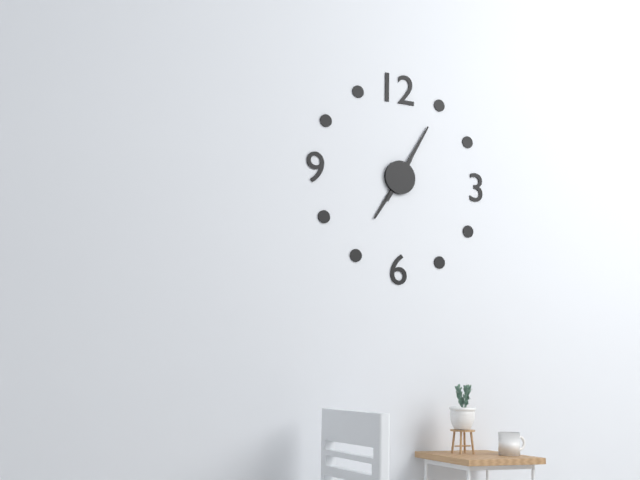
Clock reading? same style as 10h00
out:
7h05
